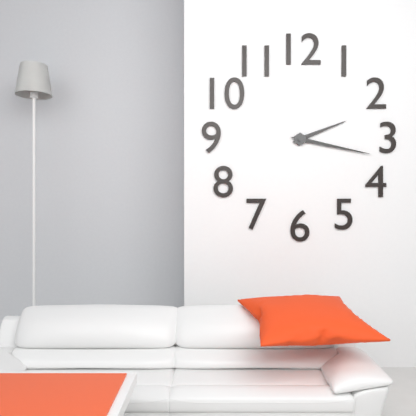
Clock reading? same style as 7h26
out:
2h17
